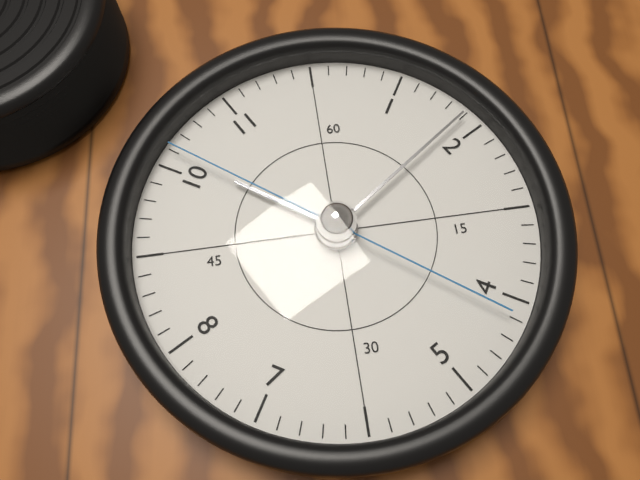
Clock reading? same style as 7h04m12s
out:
10h09m51s
